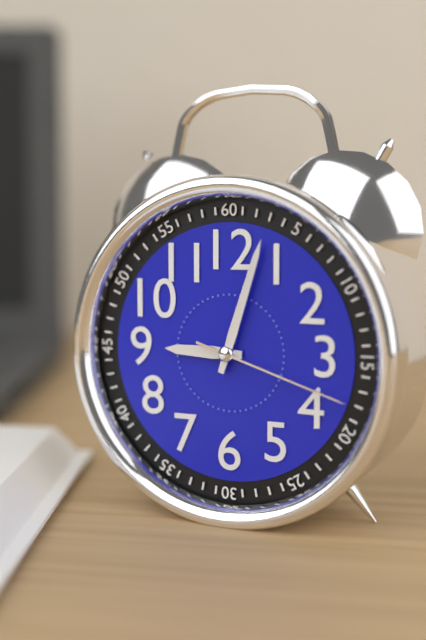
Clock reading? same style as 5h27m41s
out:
9h03m18s
